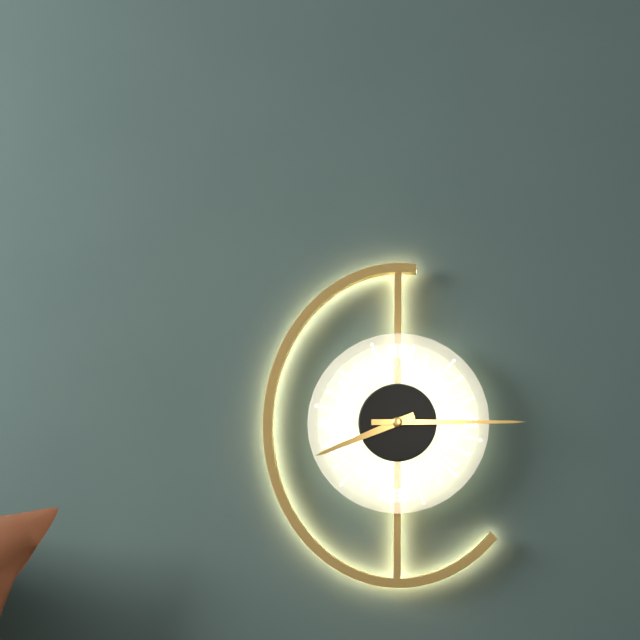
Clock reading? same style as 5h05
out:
8h15
